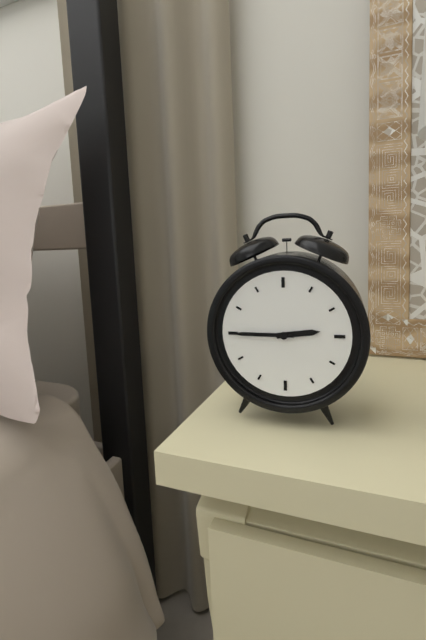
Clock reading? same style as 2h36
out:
2h45
